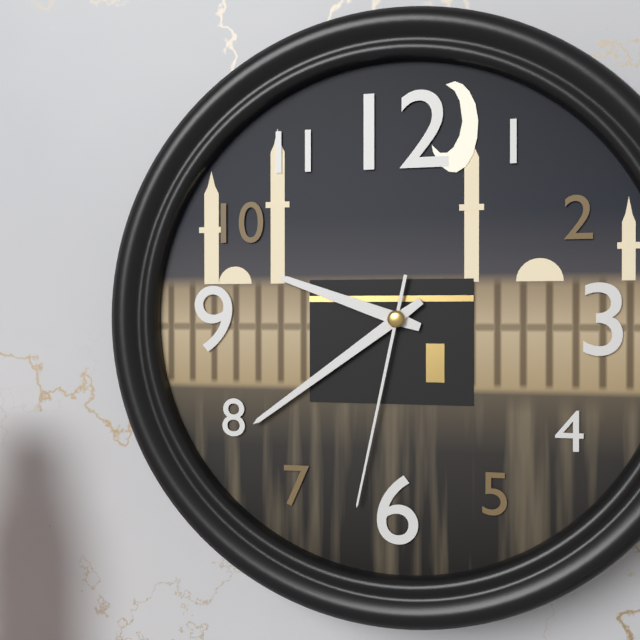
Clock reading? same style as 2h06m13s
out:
9h39m32s
